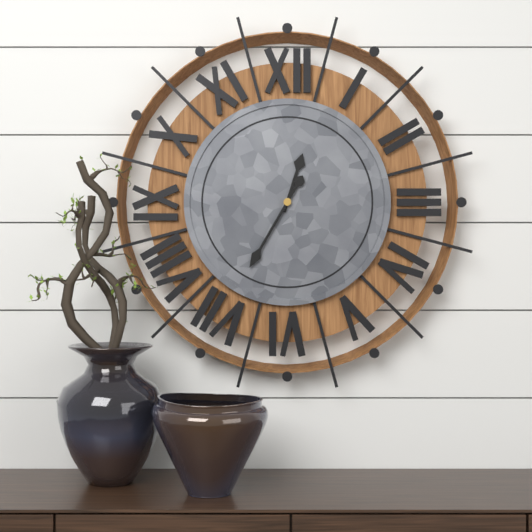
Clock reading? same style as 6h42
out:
12h35
